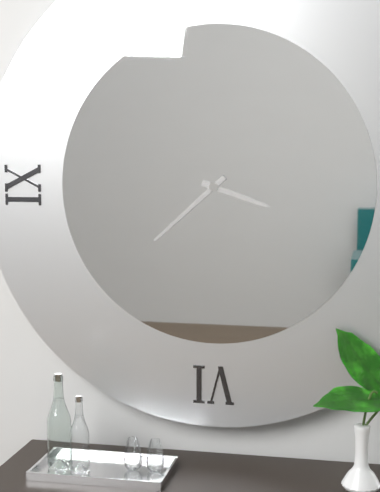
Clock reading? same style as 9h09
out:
3h38
